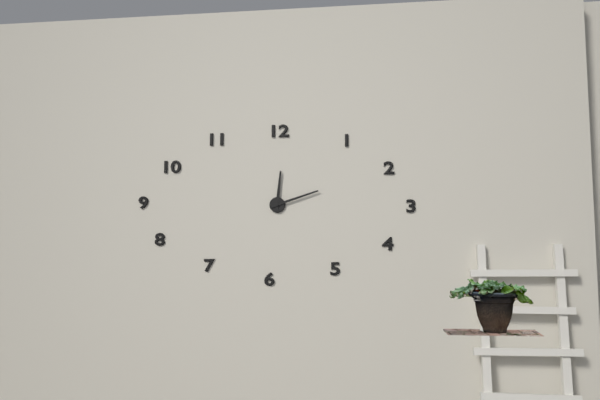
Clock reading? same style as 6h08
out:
12h12
